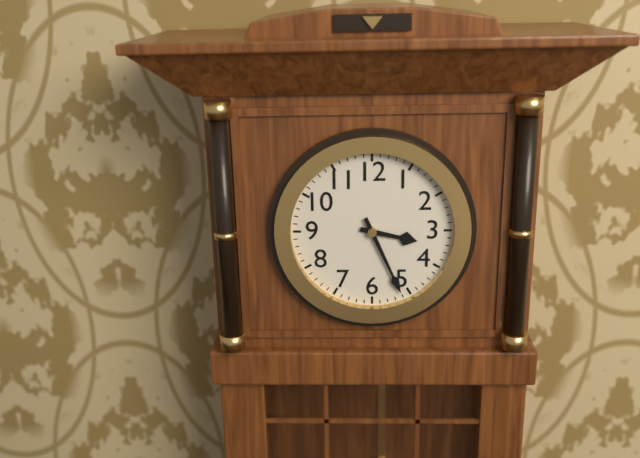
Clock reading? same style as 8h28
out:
3h26
